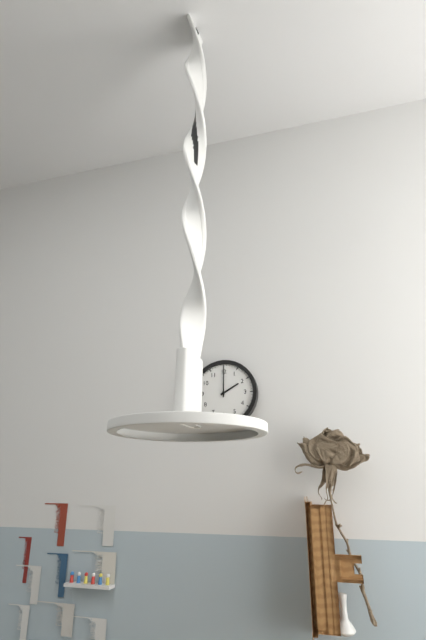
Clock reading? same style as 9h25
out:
2h00
